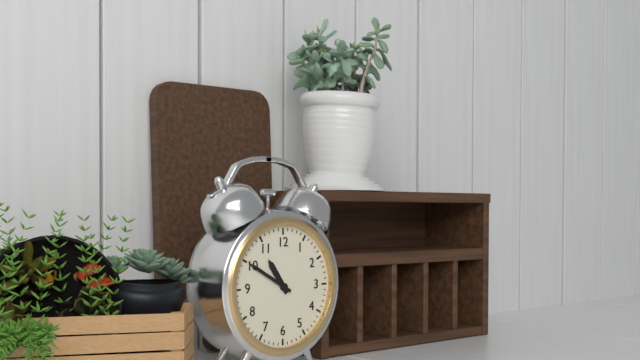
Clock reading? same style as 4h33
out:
10h50
